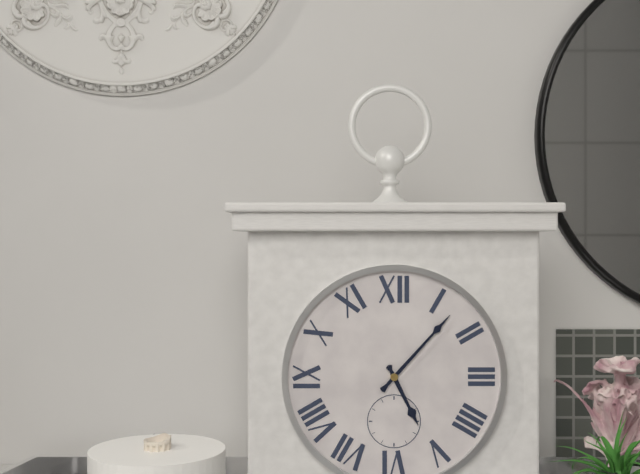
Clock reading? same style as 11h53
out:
5h07
